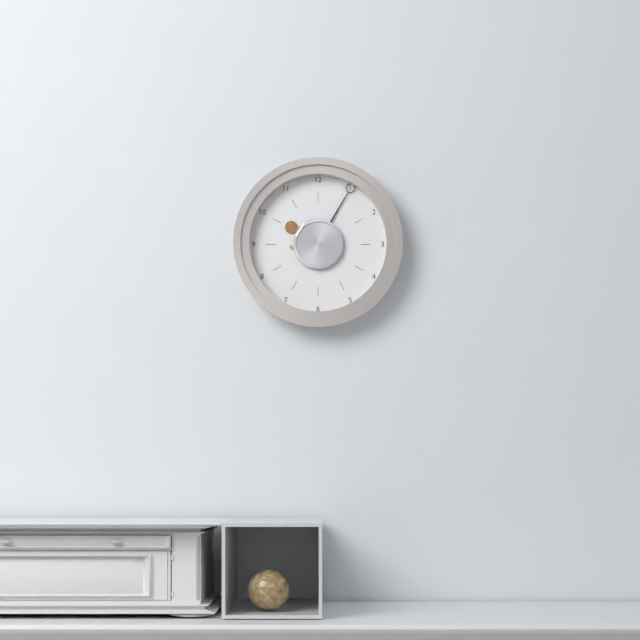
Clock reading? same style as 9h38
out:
10h05
